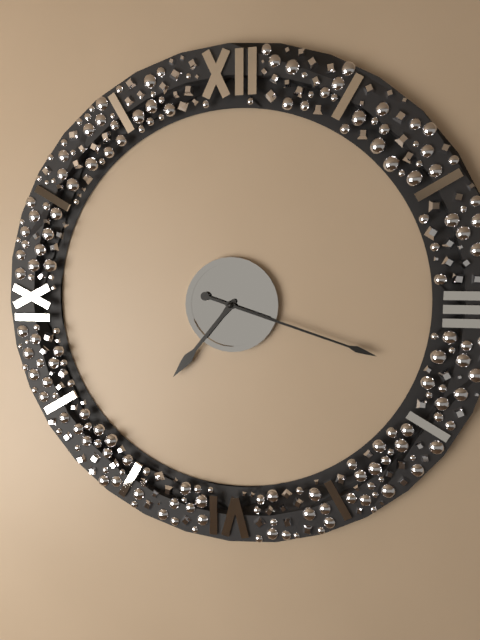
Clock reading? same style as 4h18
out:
7h18
